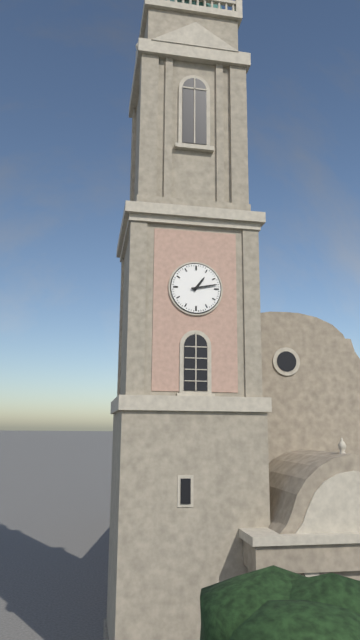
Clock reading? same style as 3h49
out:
1h13
